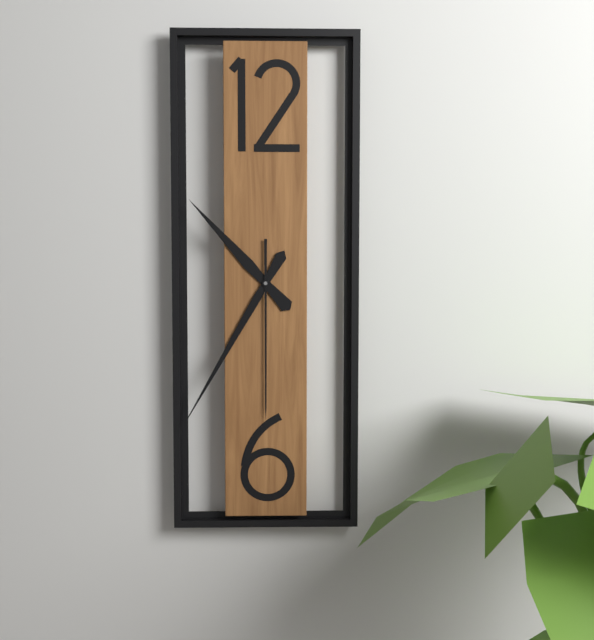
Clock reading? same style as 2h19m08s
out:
10h35m30s
